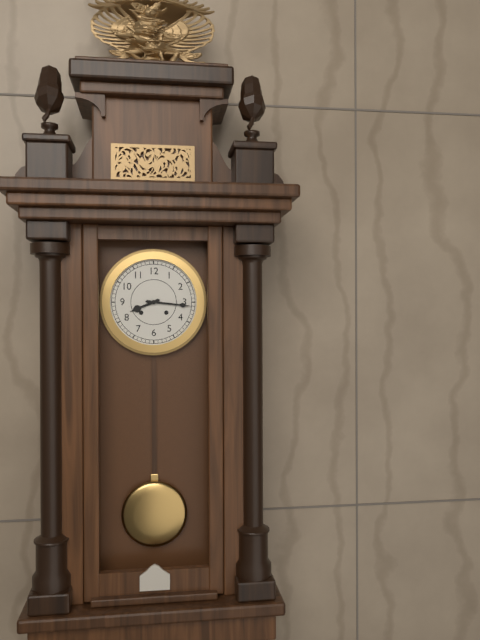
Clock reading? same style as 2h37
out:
8h16
